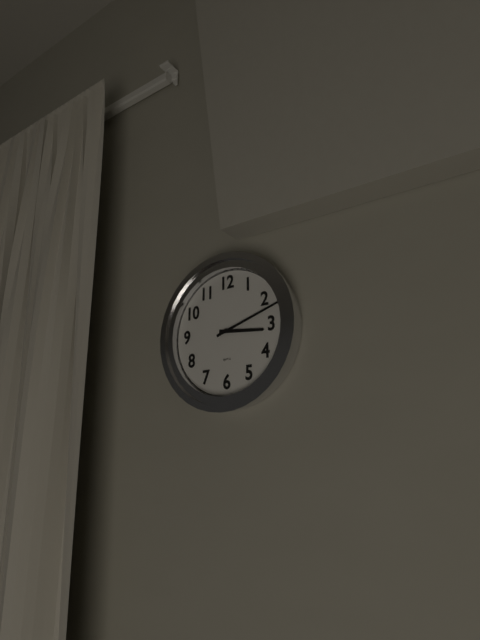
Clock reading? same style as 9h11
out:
3h12
